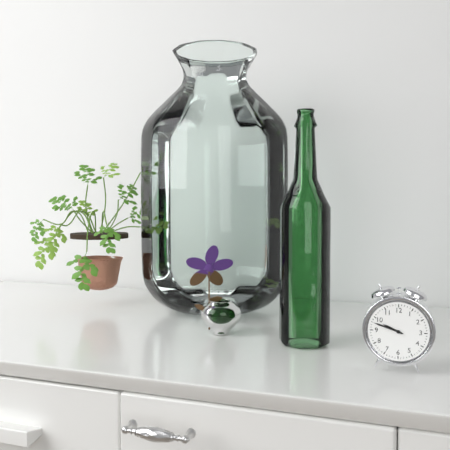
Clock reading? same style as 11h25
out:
9h48
